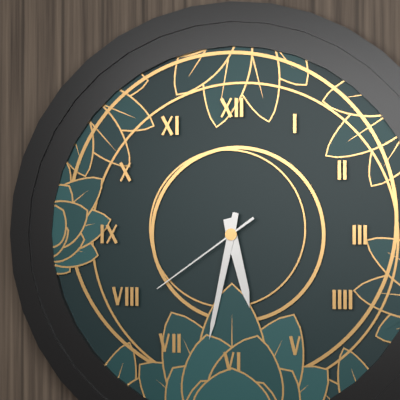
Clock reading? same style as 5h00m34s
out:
5h32m39s
